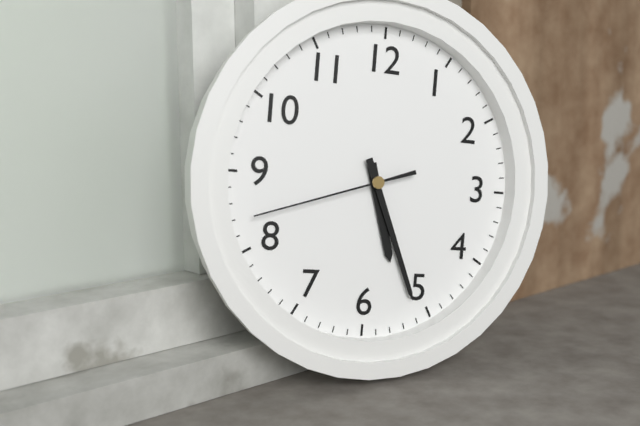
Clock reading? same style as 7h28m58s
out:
5h26m42s
